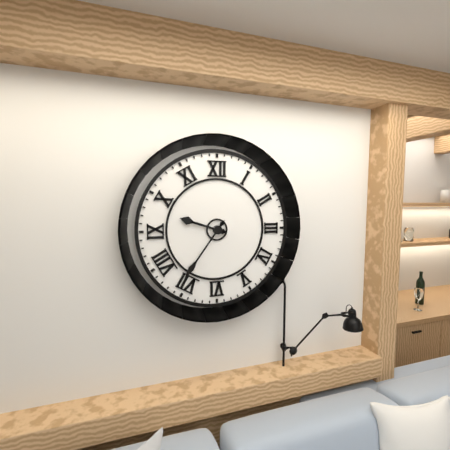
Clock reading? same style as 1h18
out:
9h36
